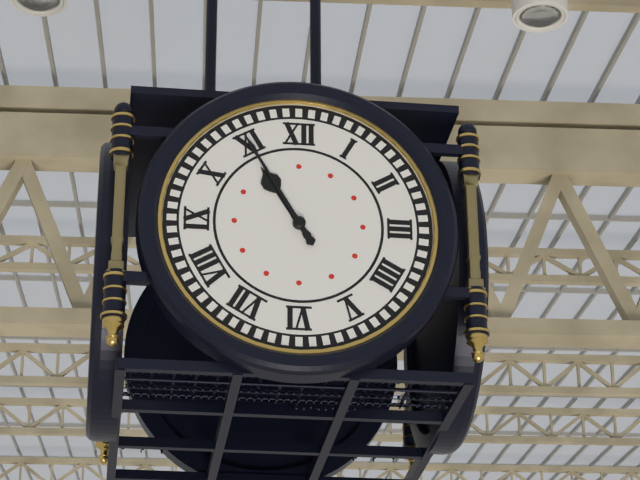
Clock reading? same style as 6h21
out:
10h55
